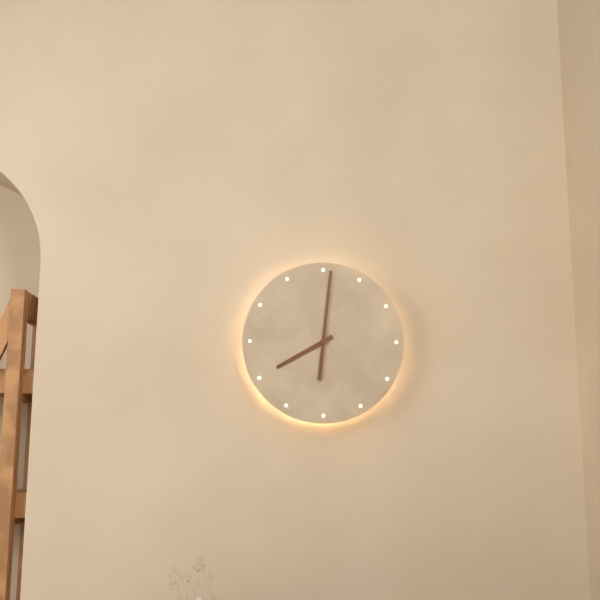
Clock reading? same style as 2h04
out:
8h01
